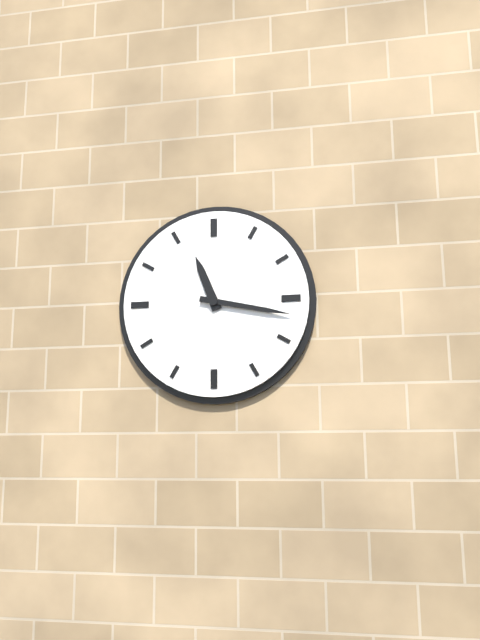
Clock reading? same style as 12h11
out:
11h17
